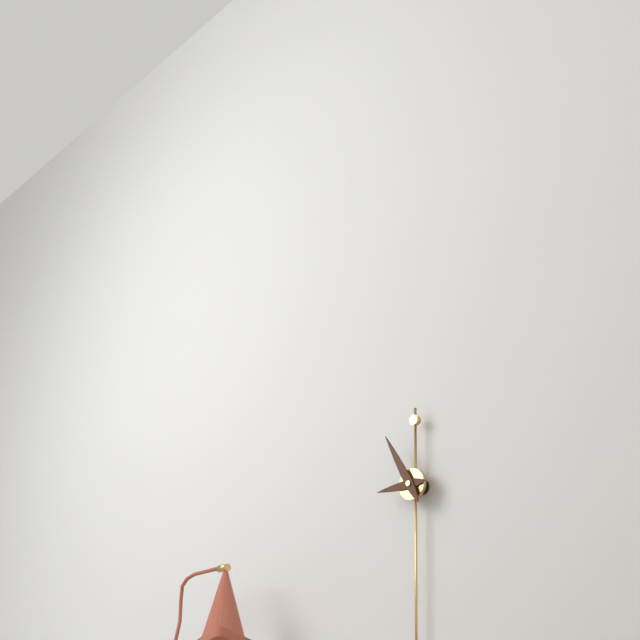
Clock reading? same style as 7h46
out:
8h55
